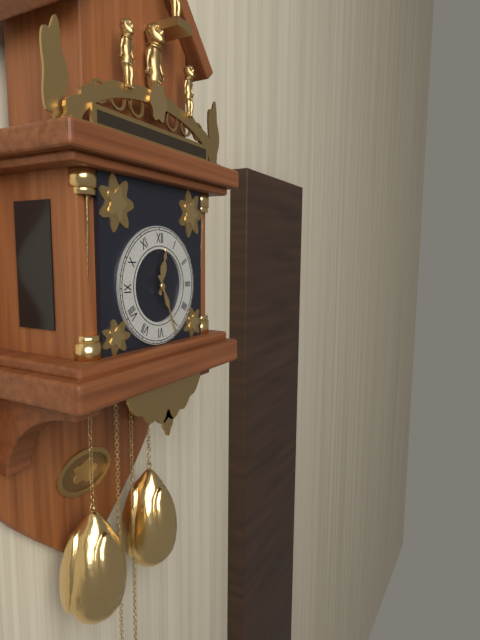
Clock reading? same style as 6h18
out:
12h26
